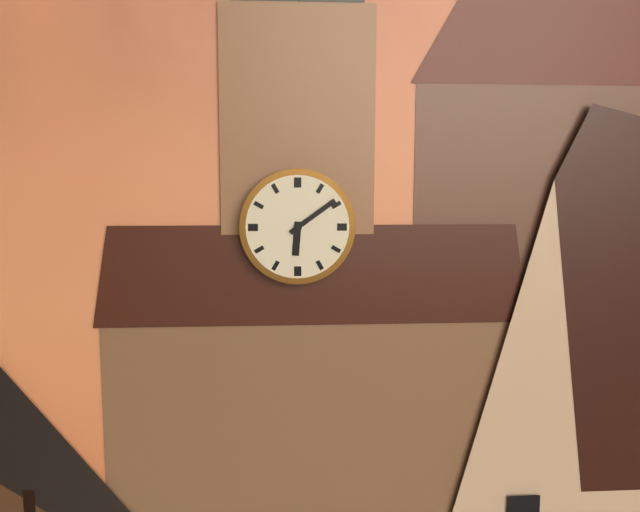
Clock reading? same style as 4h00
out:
6h09
